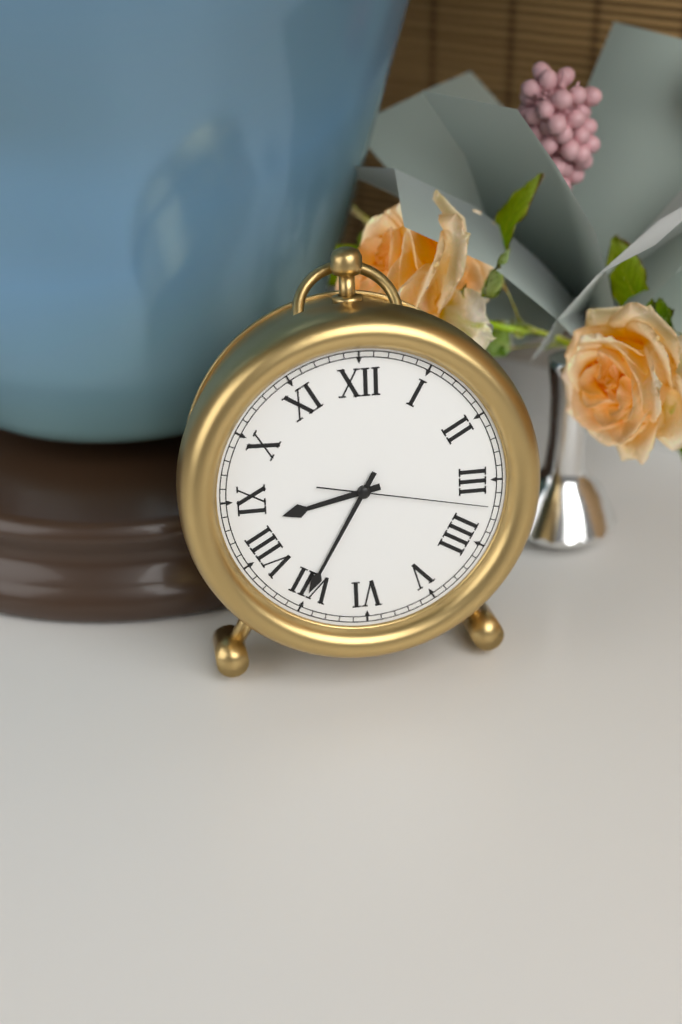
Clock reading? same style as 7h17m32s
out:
8h35m17s
